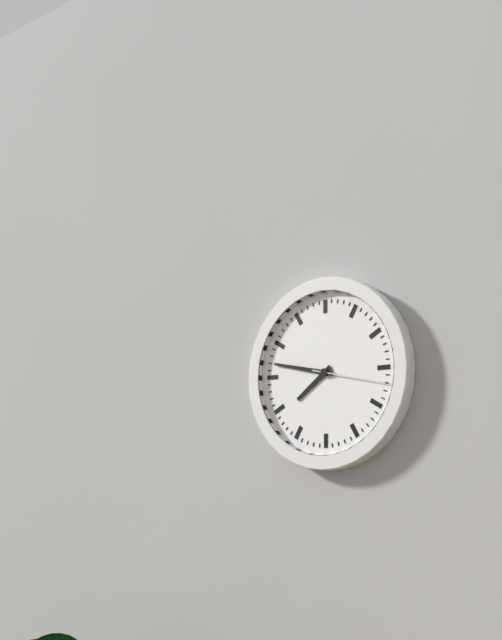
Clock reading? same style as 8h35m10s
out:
7h47m17s
